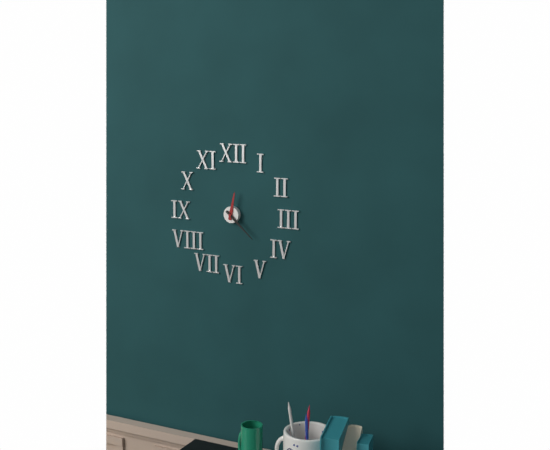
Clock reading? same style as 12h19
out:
12h22
